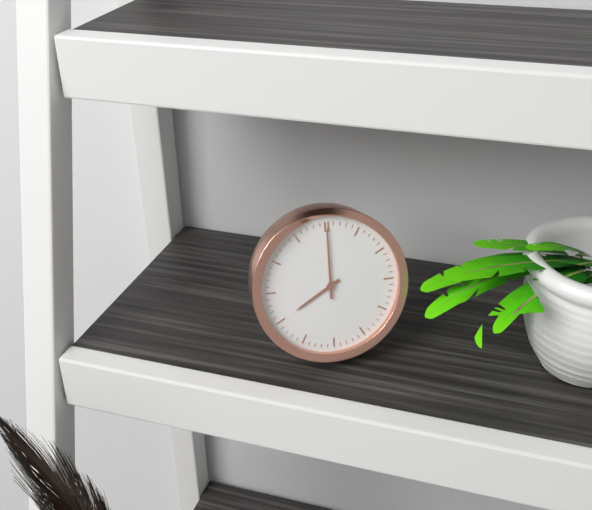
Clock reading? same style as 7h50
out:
8h00
